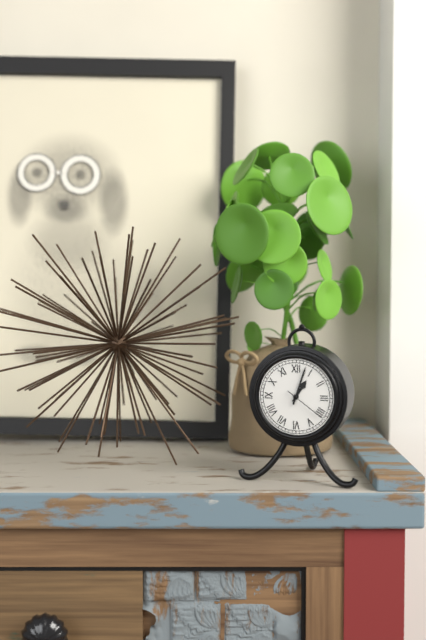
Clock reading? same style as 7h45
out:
1h03
